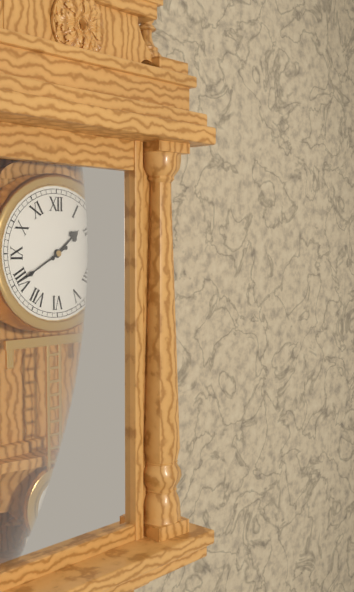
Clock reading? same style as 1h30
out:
1h40
